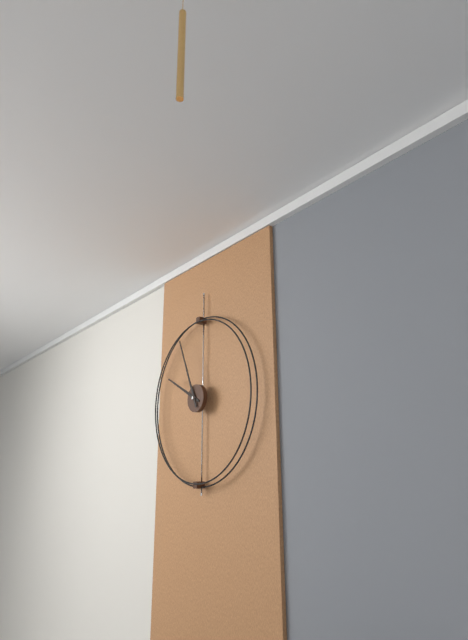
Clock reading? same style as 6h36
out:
9h56
